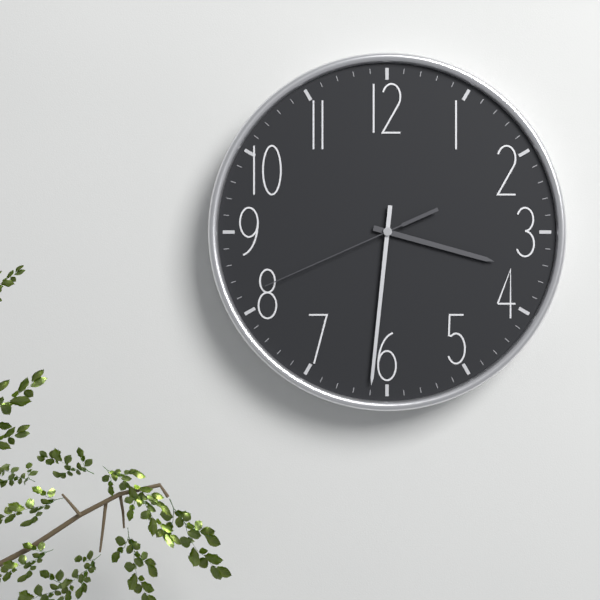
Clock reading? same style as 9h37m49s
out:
3h31m41s
